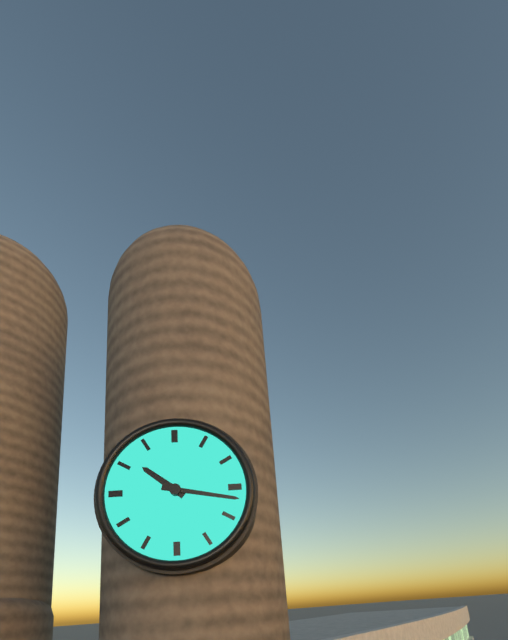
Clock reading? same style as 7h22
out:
10h17
